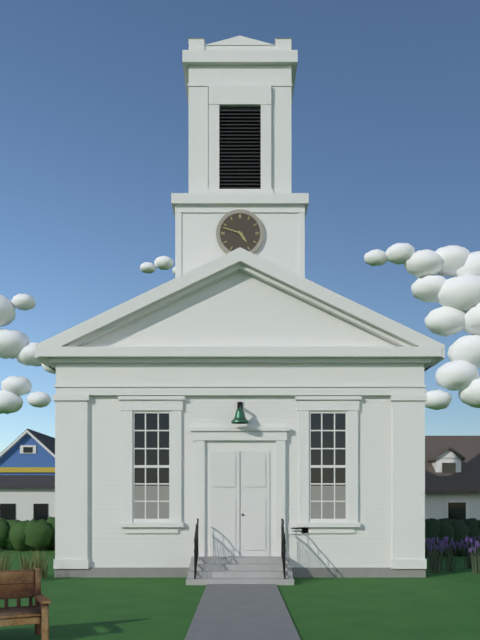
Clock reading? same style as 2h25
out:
4h48
